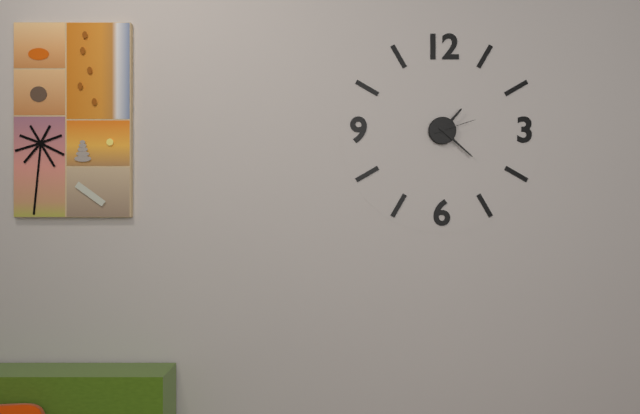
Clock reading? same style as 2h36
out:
1h22
